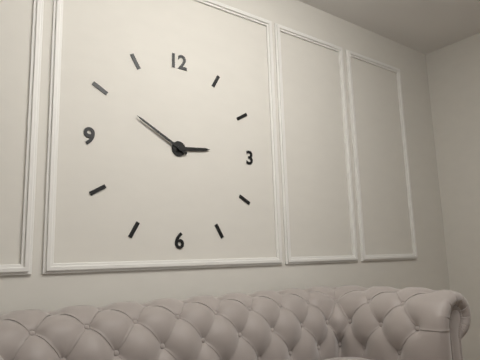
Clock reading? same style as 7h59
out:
2h50
